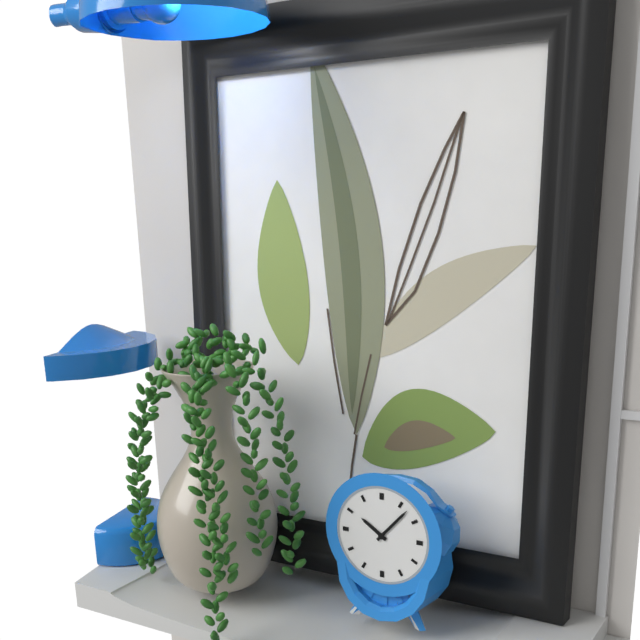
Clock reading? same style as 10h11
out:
10h07
